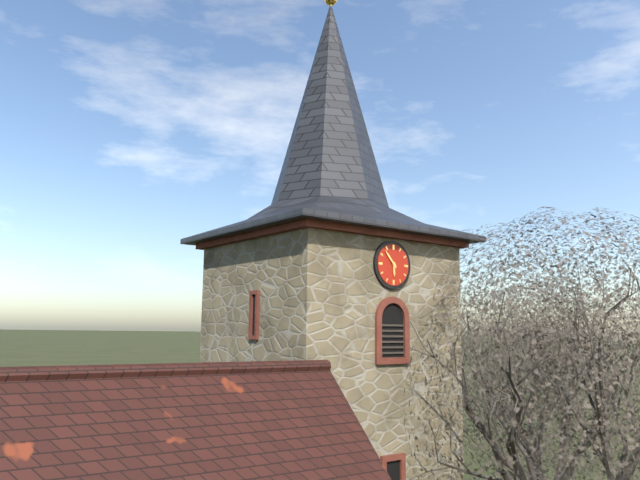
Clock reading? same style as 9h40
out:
5h53
